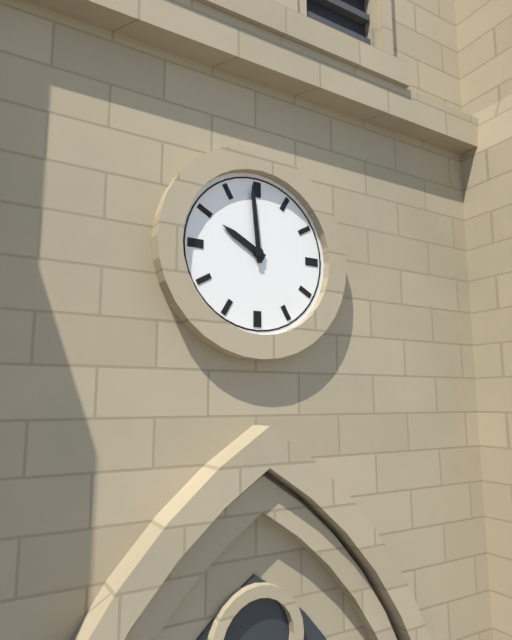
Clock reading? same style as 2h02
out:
9h59
